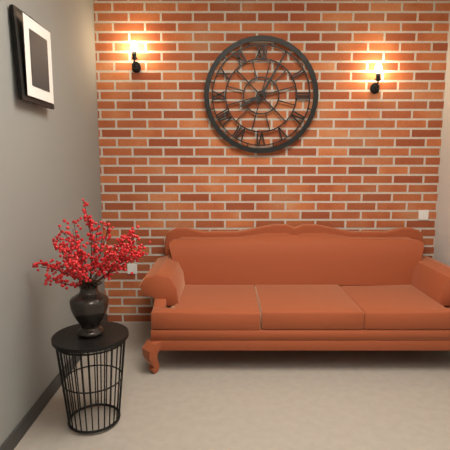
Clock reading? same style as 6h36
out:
8h05
